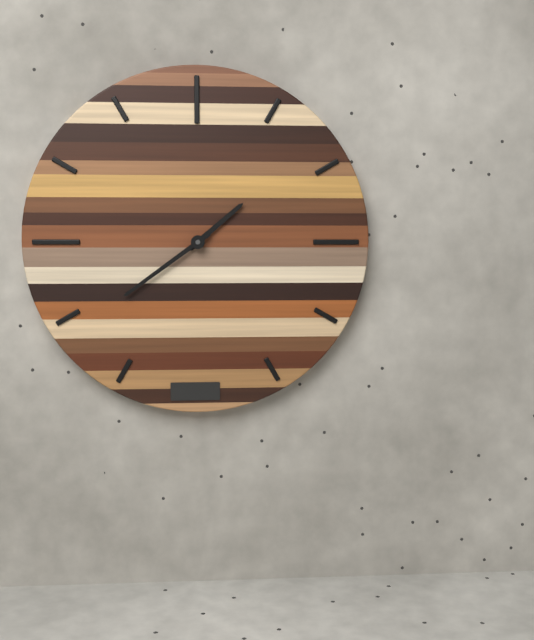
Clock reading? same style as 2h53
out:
1h39
